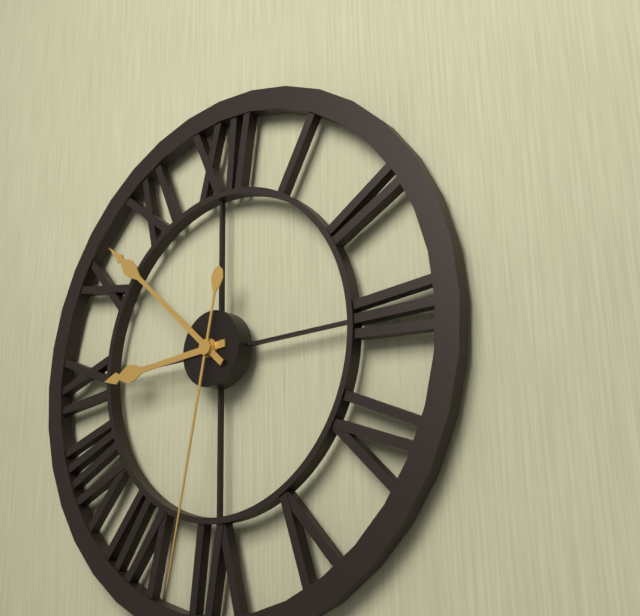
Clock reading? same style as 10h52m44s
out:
8h52m32s
